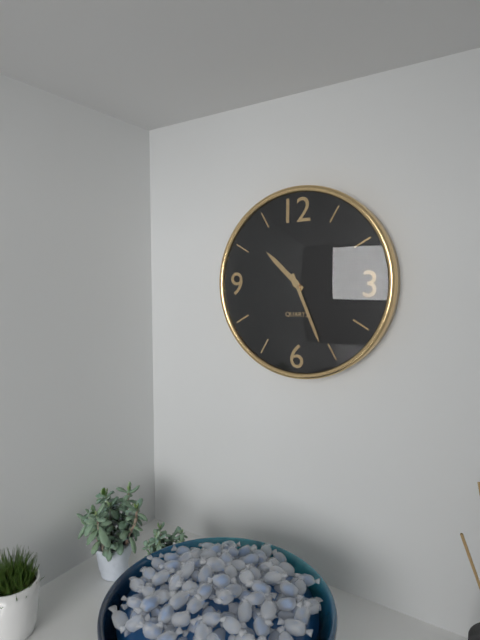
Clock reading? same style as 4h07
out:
10h26
